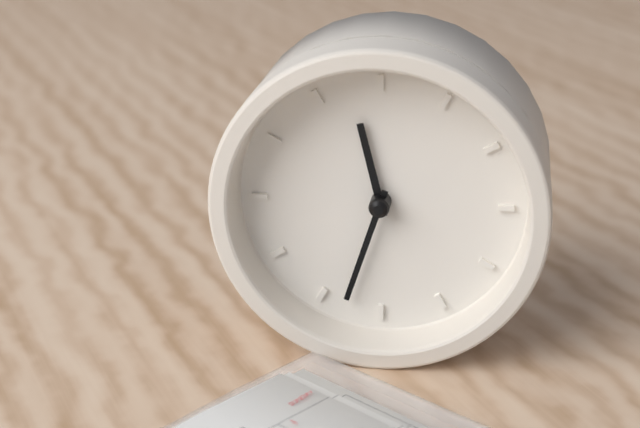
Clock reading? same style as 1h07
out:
11h33
